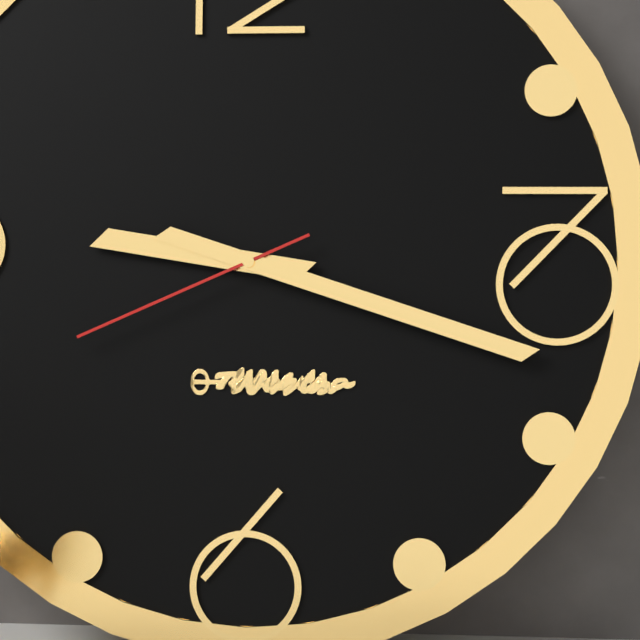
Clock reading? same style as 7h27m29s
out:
9h18m41s
